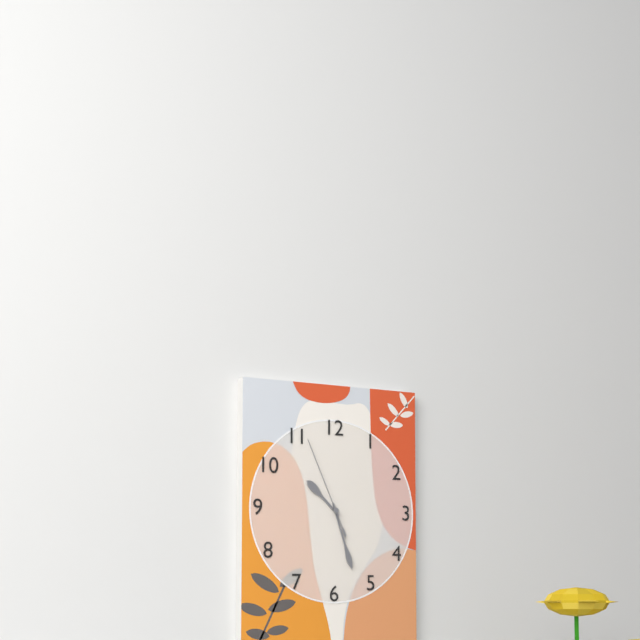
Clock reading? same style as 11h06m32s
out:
10h27m56s
